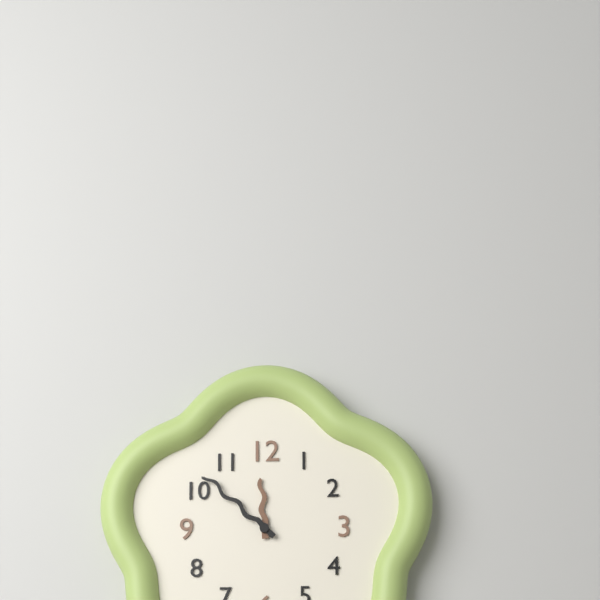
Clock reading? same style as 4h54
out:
11h52
